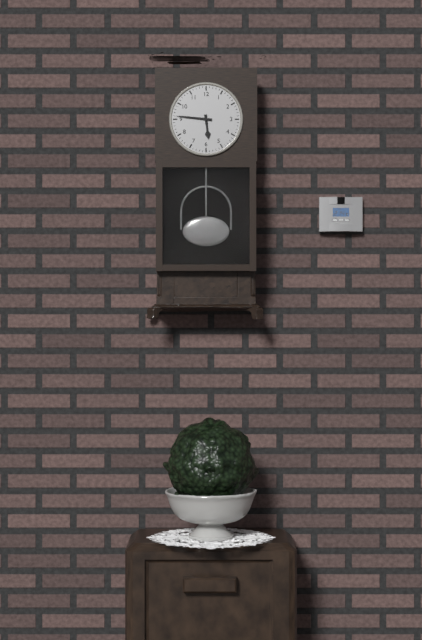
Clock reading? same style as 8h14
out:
5h46
